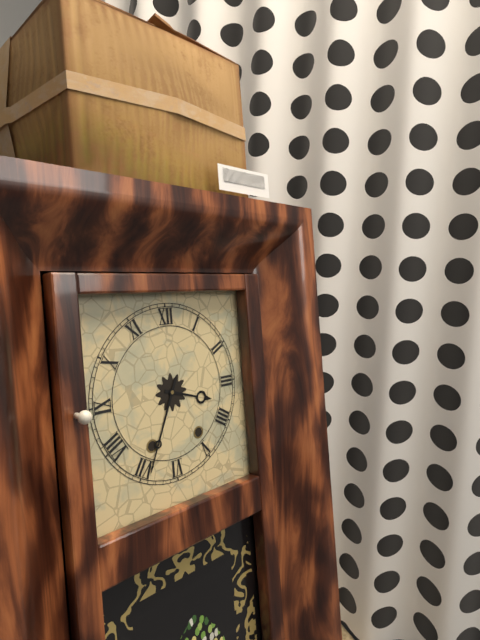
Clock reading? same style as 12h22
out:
3h34
